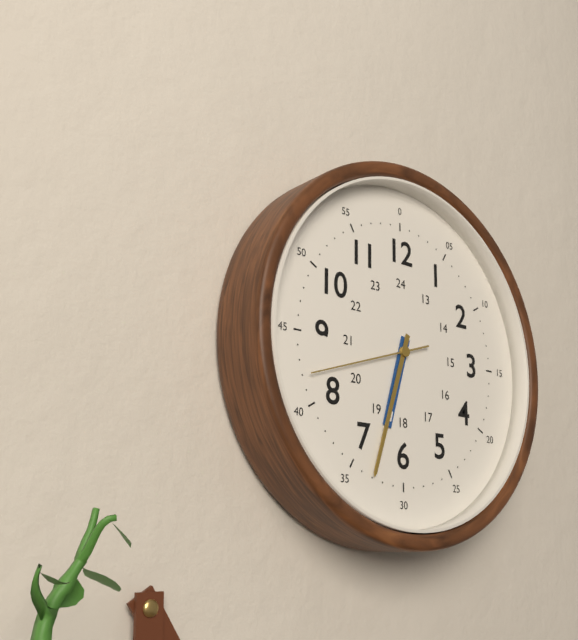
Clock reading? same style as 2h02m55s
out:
6h33m42s
